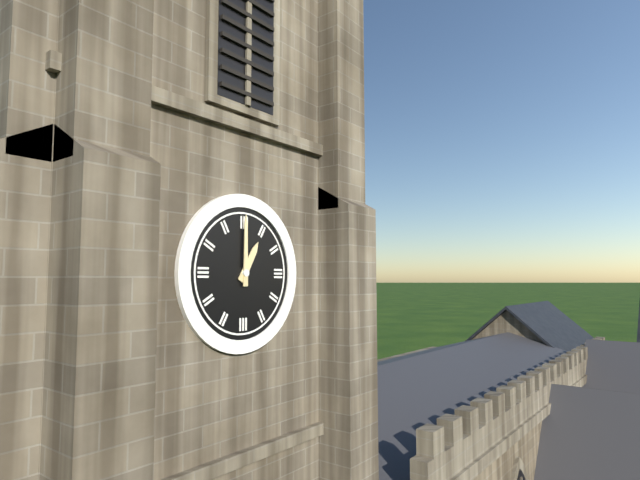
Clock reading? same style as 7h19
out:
1h00
